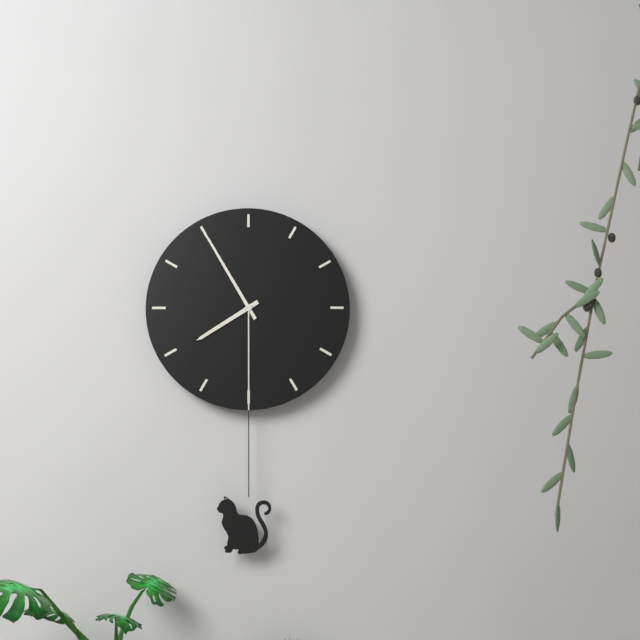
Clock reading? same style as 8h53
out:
7h55
